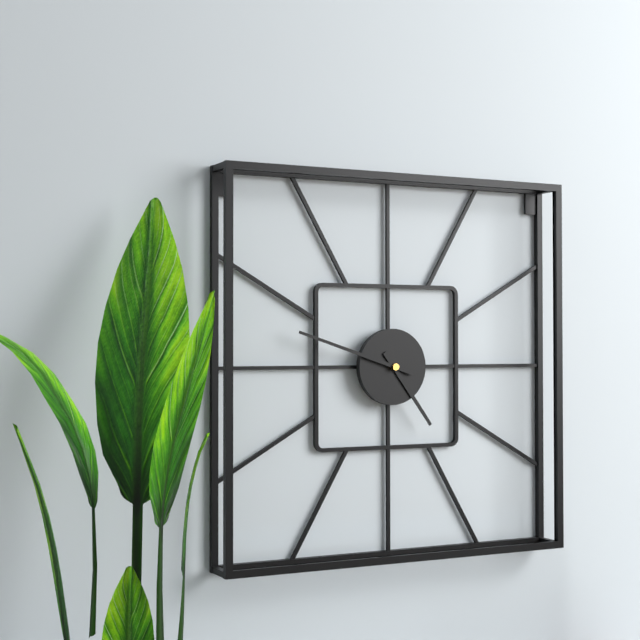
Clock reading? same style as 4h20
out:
4h48
